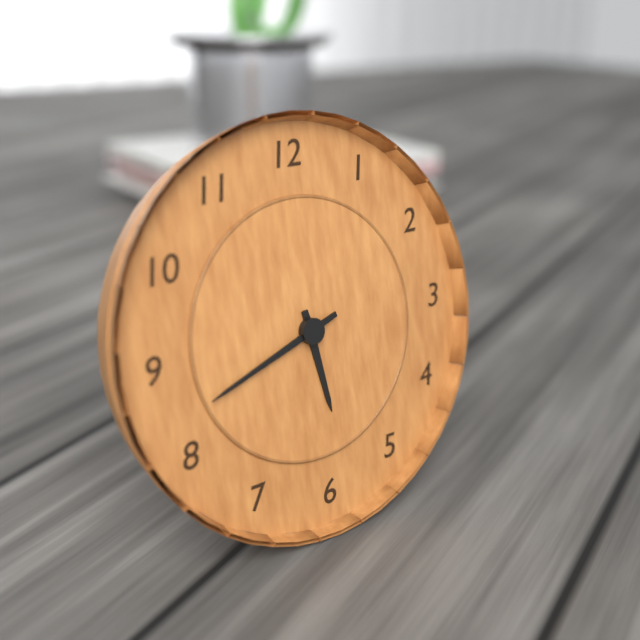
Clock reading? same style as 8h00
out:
5h42
